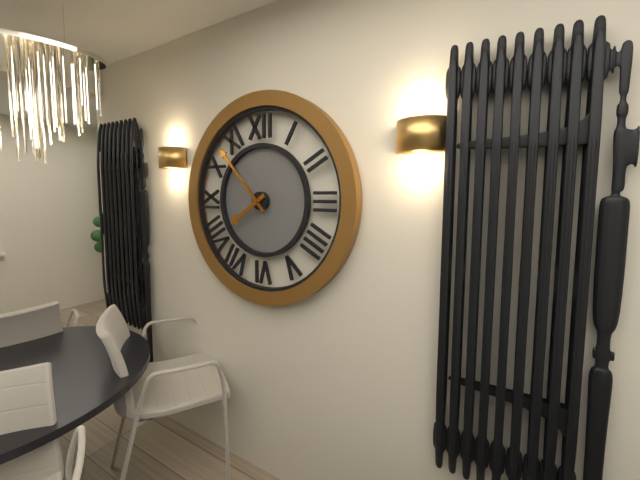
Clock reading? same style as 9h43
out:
7h53
